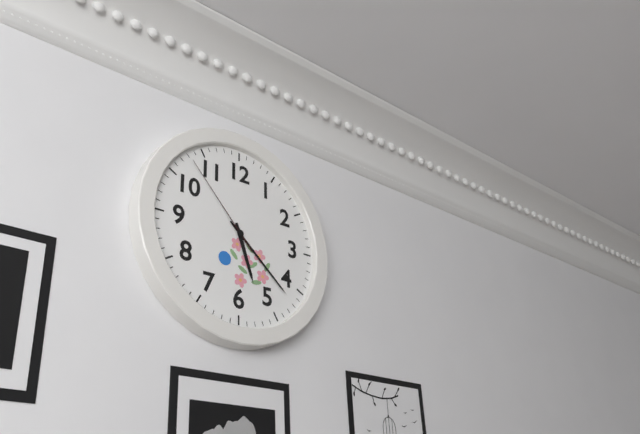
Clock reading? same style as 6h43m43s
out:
5h22m53s
